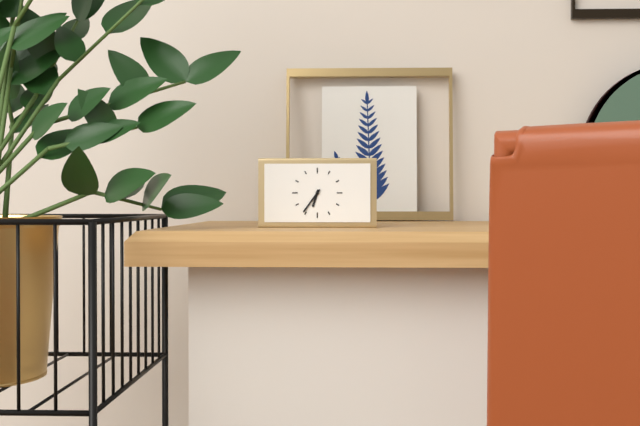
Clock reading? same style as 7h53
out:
6h36
